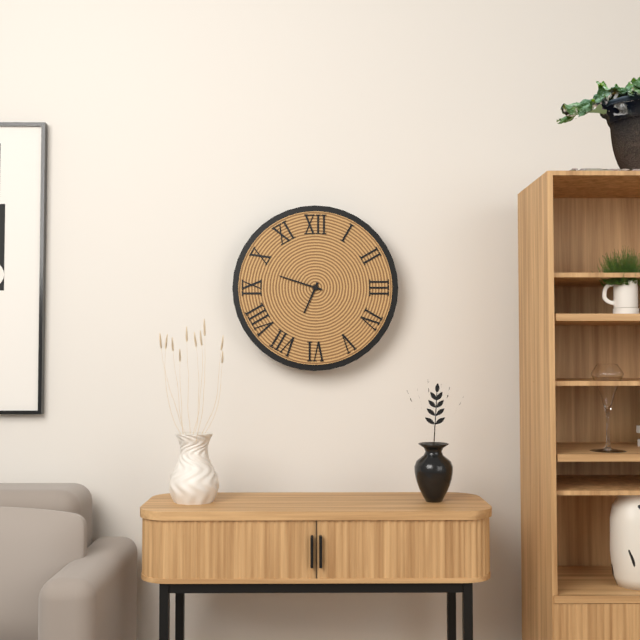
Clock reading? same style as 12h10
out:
6h48
